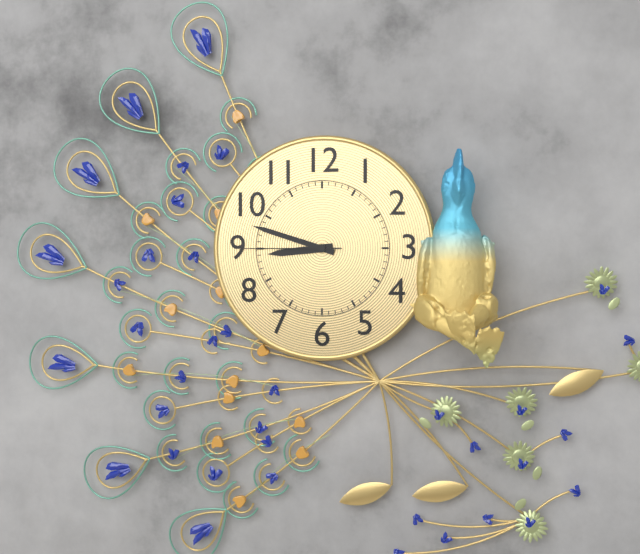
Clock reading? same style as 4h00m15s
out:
8h48m45s
